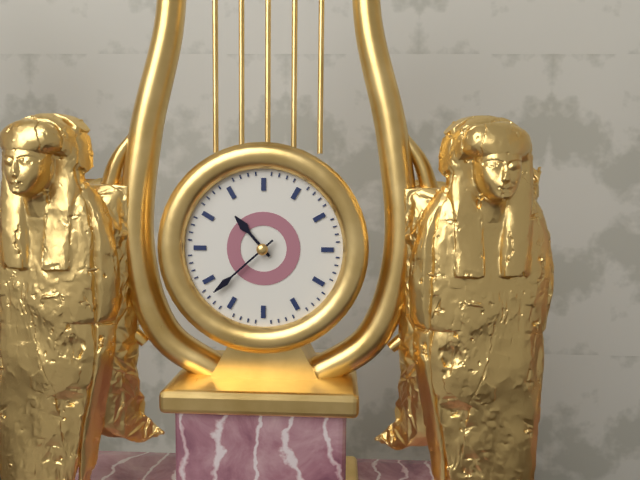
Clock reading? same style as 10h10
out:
10h38
